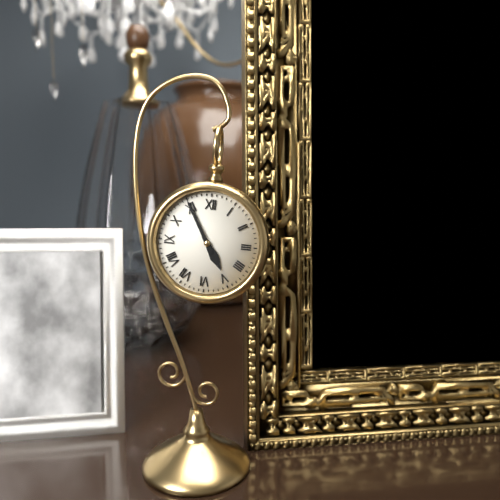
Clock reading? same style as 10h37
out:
4h55
